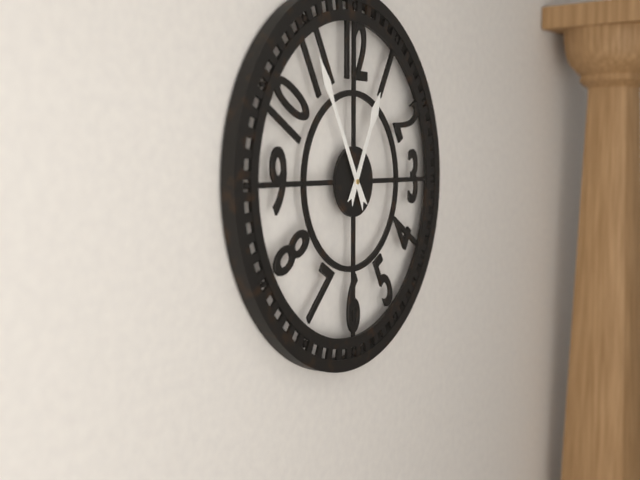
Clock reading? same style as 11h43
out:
12h55
